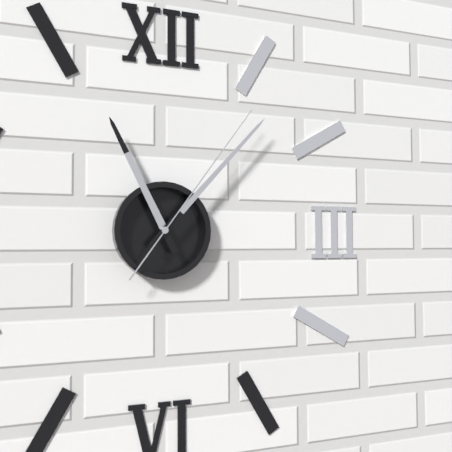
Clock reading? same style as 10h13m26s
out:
11h07m06s
